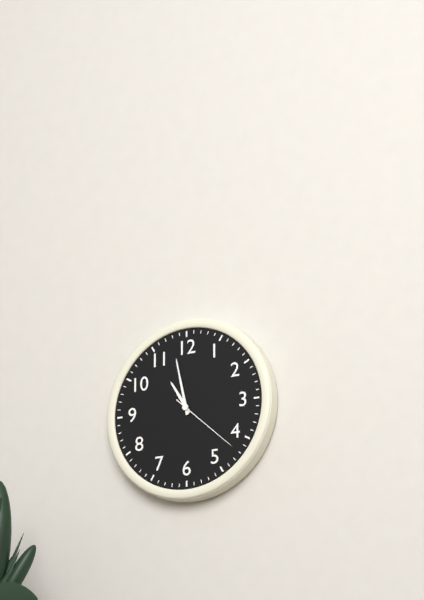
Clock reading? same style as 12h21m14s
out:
10h58m22s
